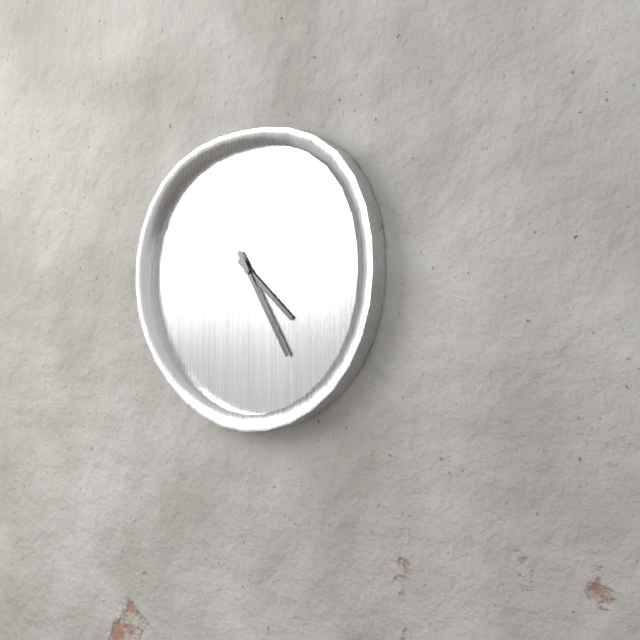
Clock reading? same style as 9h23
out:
4h25
